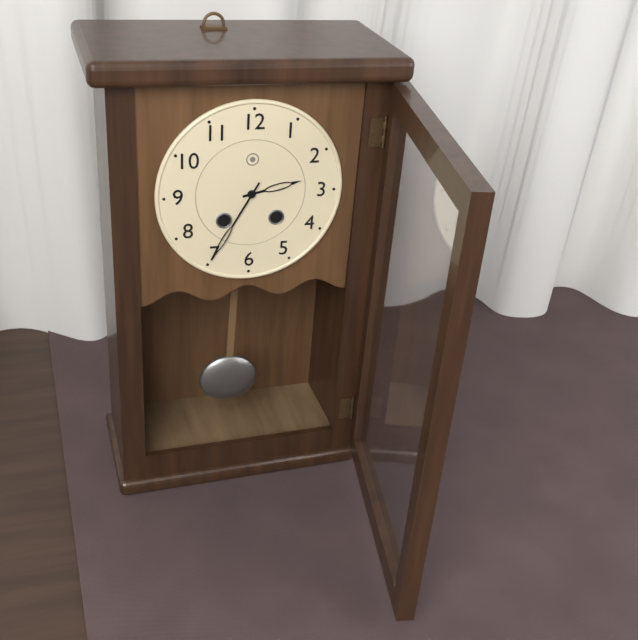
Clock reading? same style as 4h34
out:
2h35
